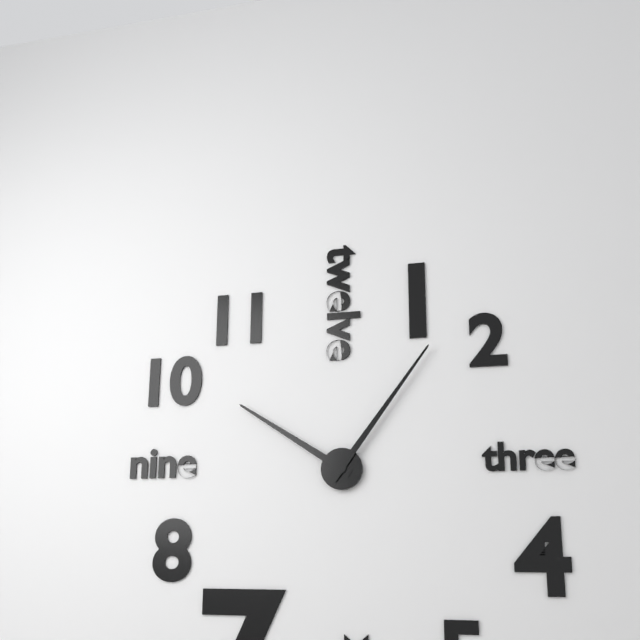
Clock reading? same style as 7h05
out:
10h06
